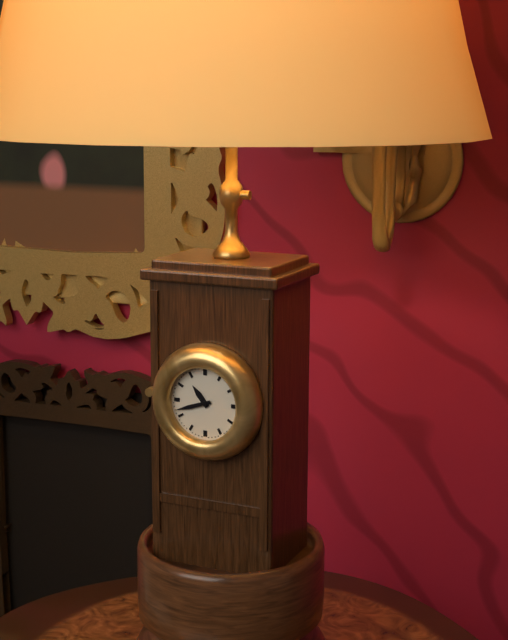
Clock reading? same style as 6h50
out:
10h42
